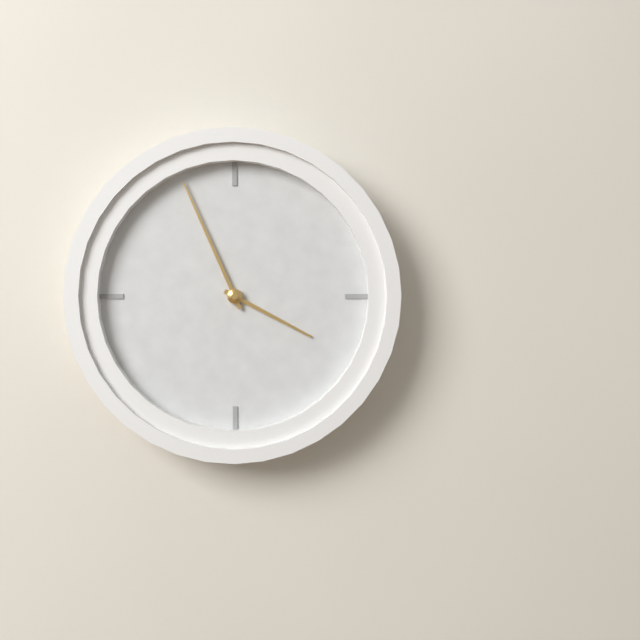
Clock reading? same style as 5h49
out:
3h56
